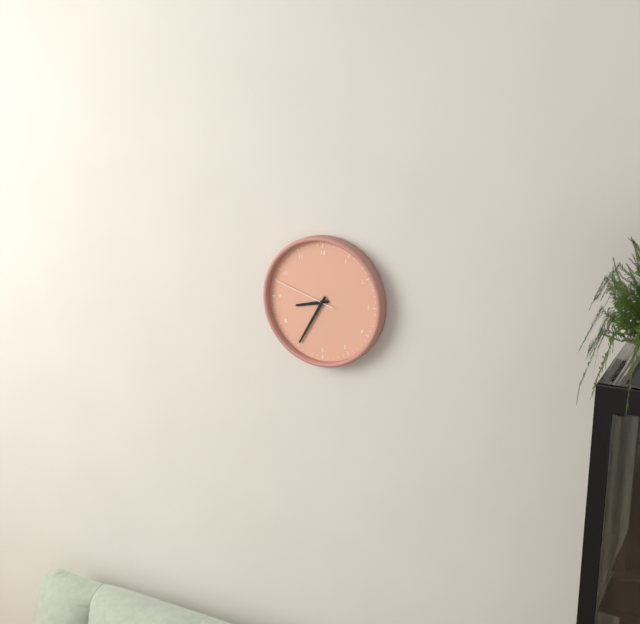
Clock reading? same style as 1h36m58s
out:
8h35m48s
